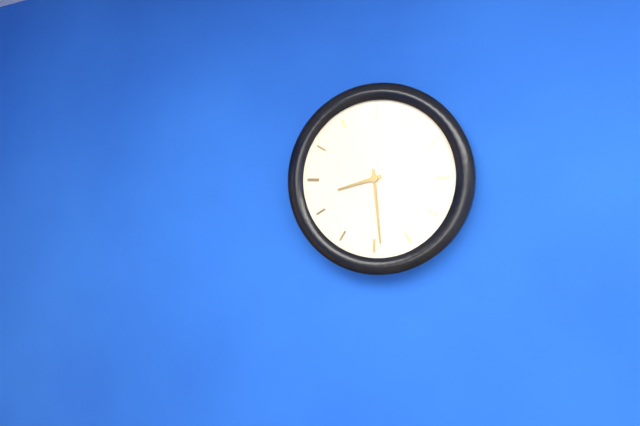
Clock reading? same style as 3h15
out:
8h29
